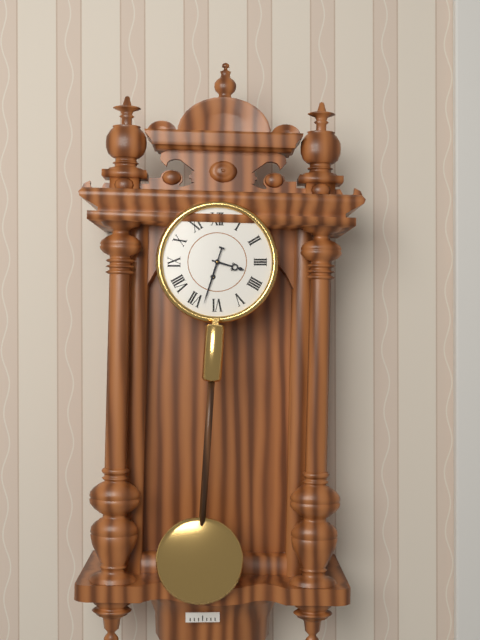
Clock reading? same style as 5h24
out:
3h33
